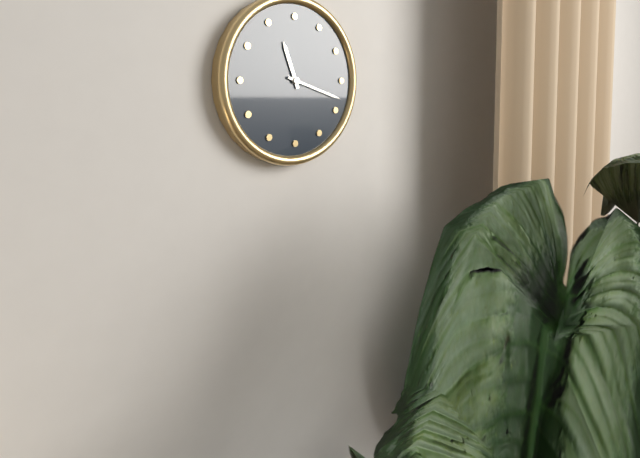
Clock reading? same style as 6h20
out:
11h18
